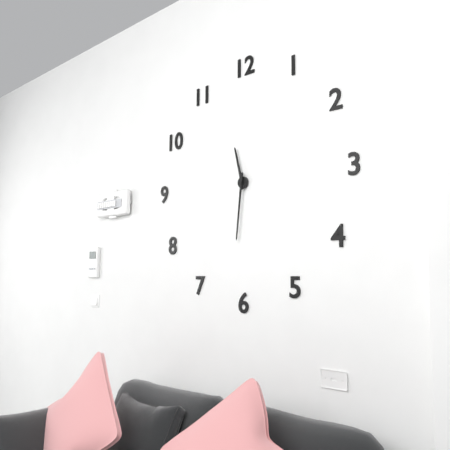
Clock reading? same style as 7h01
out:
11h31
